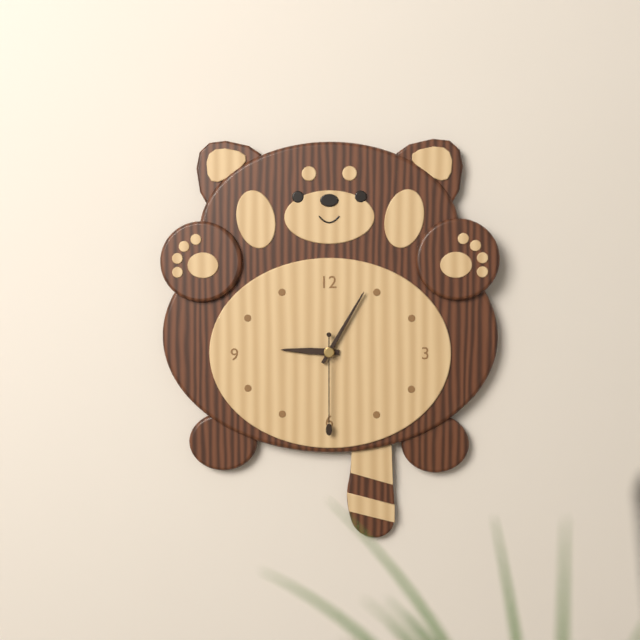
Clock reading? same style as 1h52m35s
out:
9h05m30s
